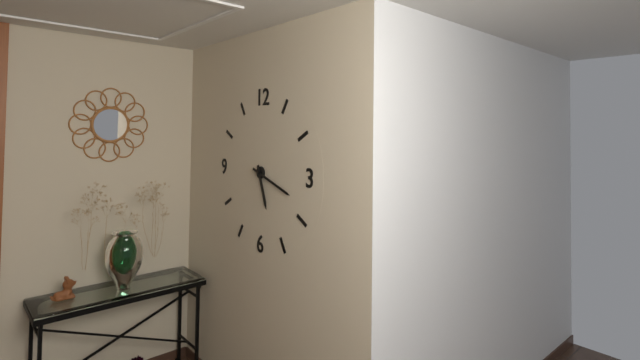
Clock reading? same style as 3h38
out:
5h18
